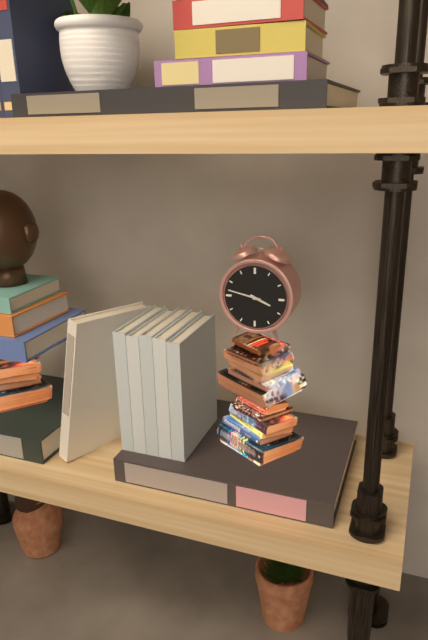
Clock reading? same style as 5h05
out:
3h47
